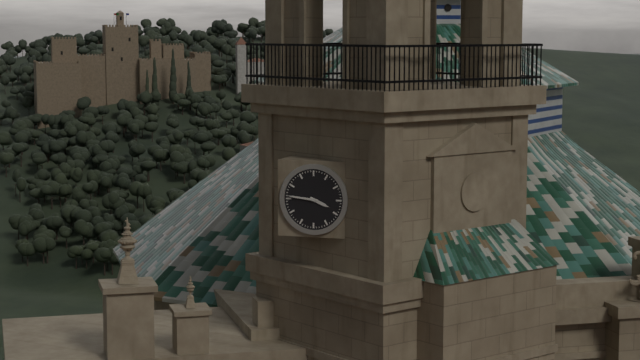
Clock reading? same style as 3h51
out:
3h46
